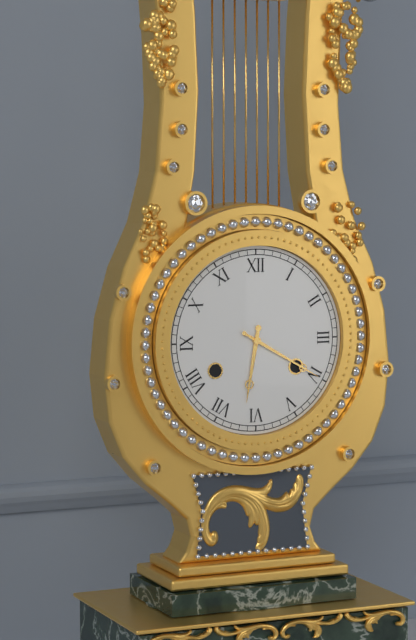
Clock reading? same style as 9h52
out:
6h20
